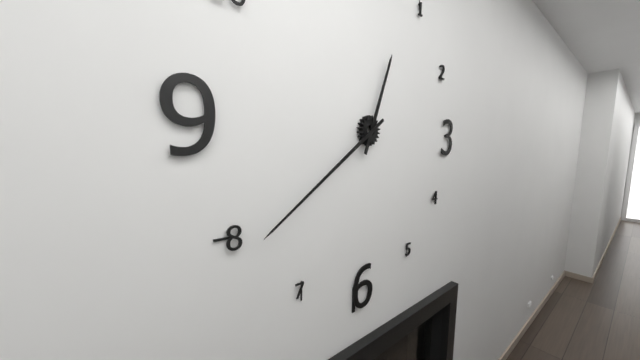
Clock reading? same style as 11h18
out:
12h39
